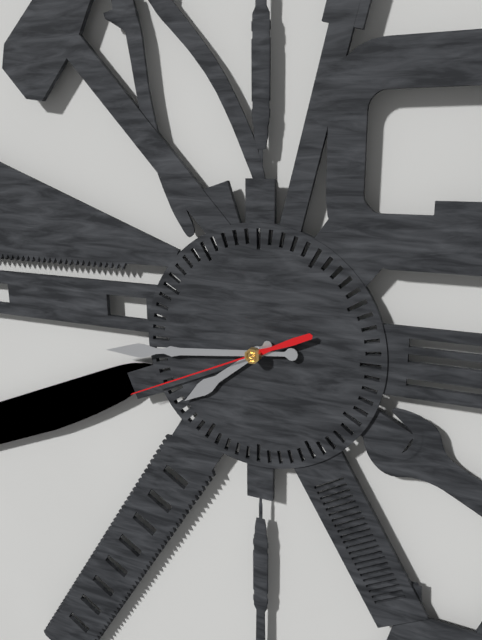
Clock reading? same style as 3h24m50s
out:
7h44m41s
